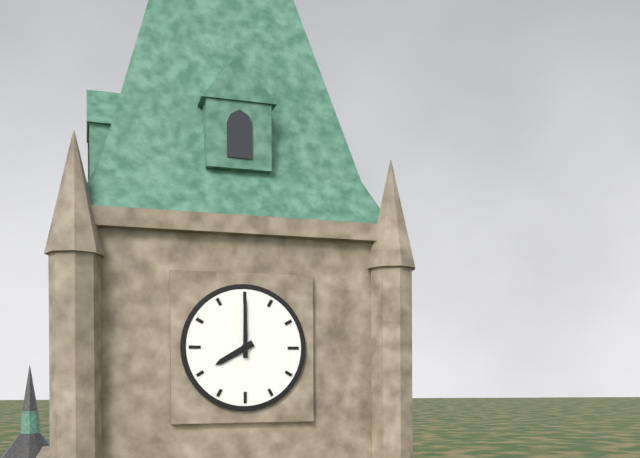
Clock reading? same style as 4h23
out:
8h00
